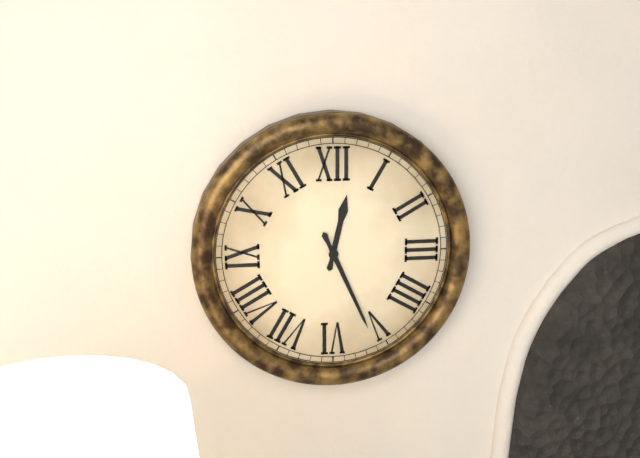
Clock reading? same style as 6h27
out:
12h26
